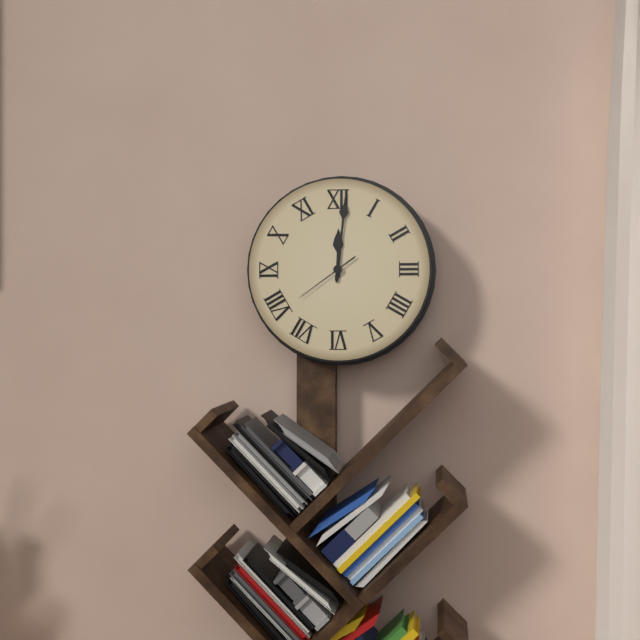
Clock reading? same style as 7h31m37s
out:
12h01m39s
